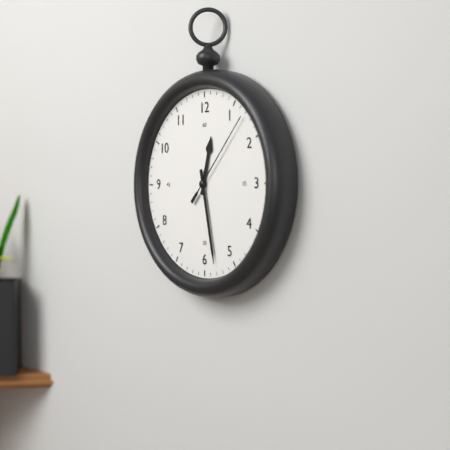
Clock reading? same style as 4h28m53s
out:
12h28m07s
